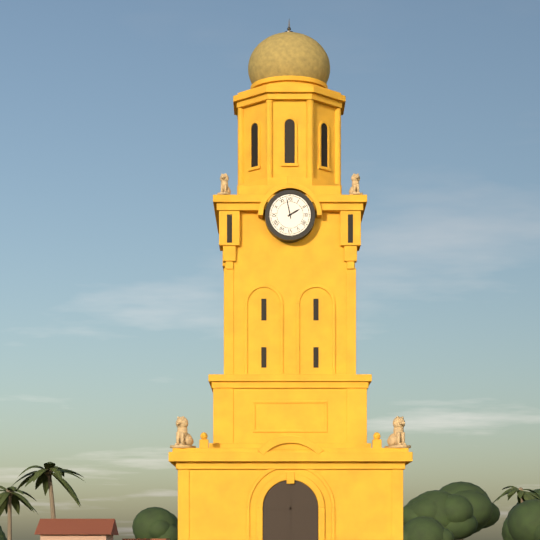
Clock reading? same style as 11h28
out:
1h58
